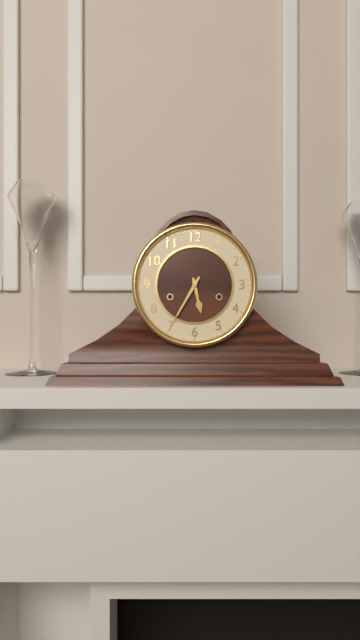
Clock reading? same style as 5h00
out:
5h35
